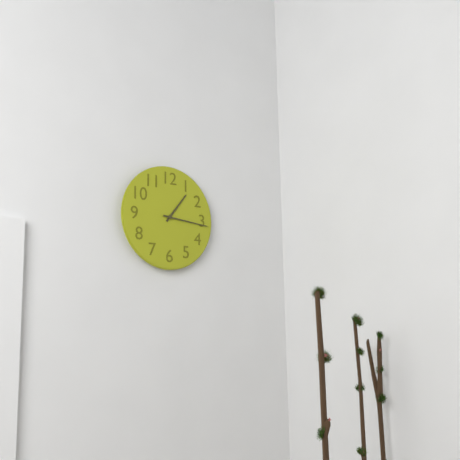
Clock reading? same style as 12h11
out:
1h16
